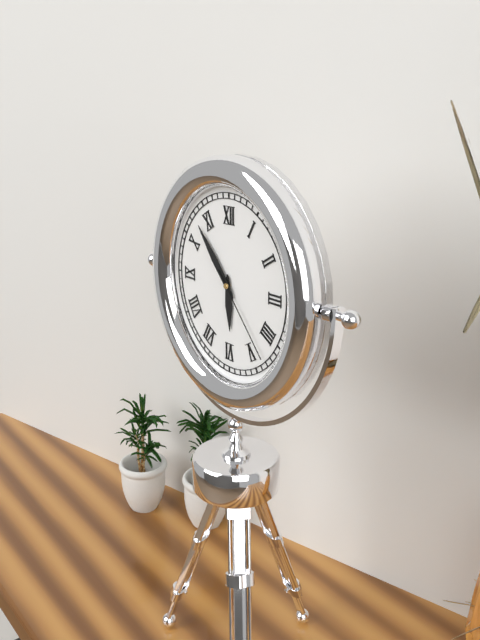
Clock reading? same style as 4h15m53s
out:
5h53m23s
